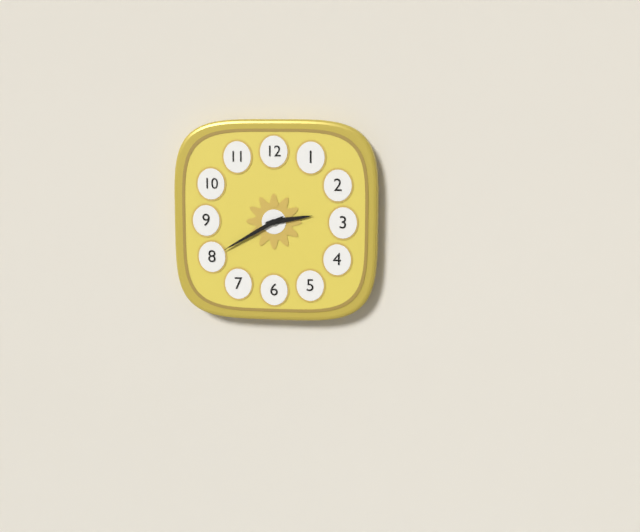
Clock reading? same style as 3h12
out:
2h40
